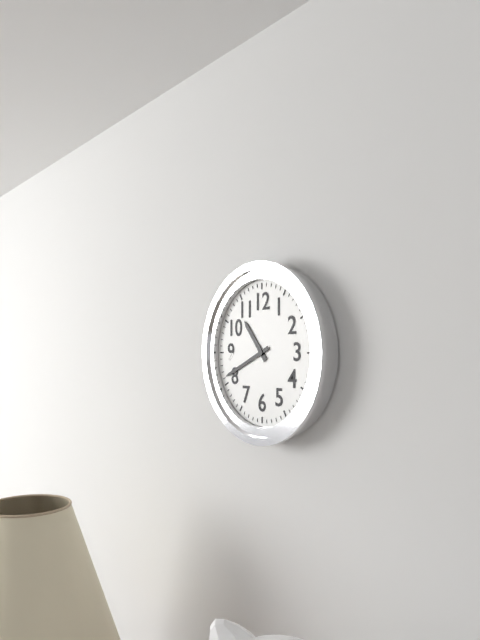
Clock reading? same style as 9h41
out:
10h41
